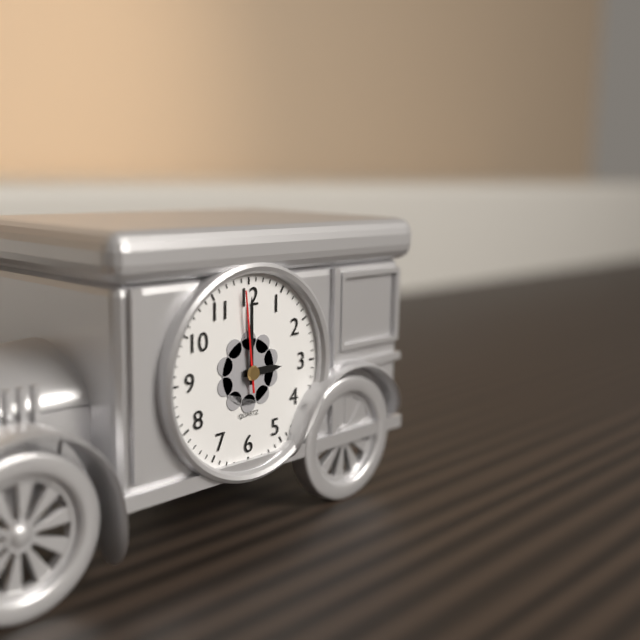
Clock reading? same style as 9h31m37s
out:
3h00m59s
